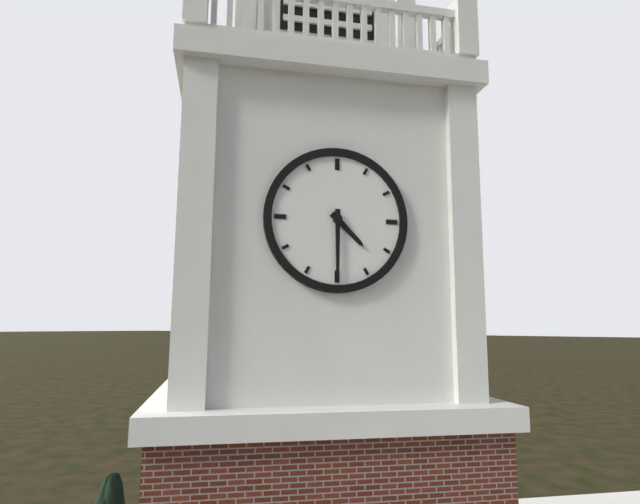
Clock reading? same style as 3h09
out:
4h30
